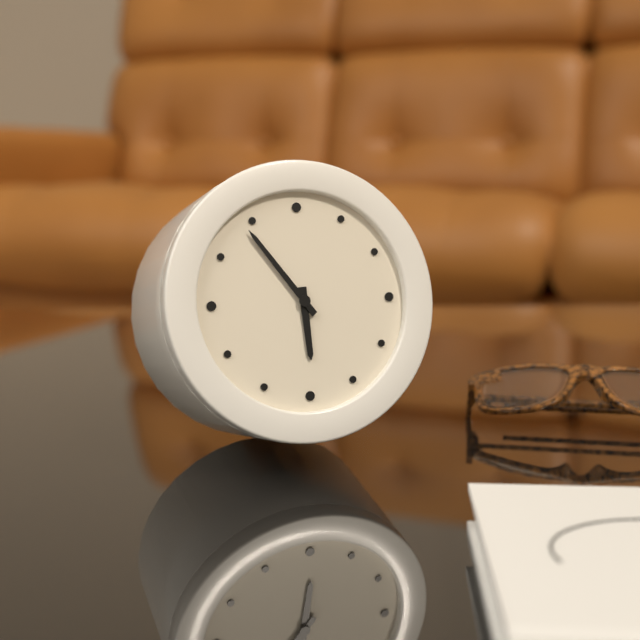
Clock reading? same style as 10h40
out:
5h54
